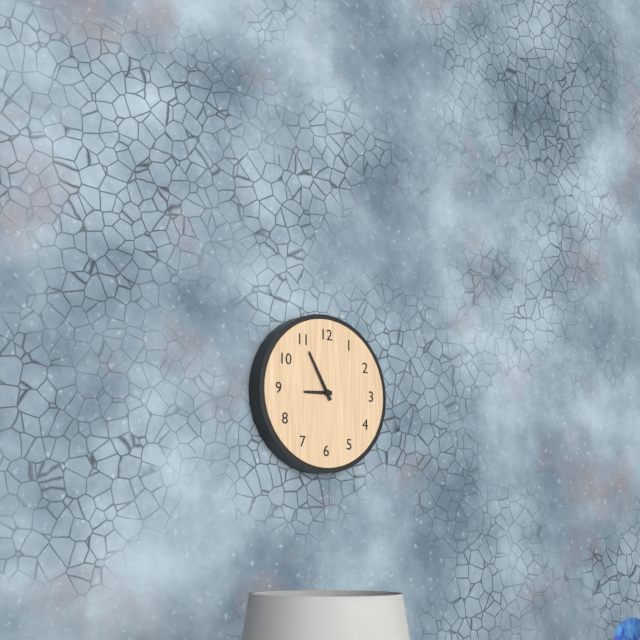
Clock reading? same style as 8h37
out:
8h55
